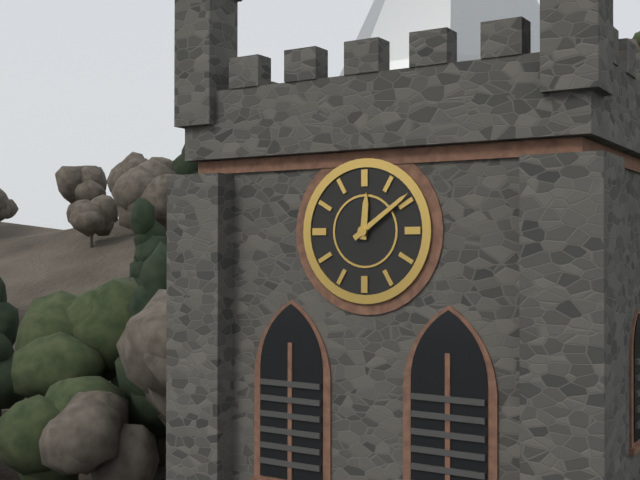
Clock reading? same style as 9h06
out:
12h09
